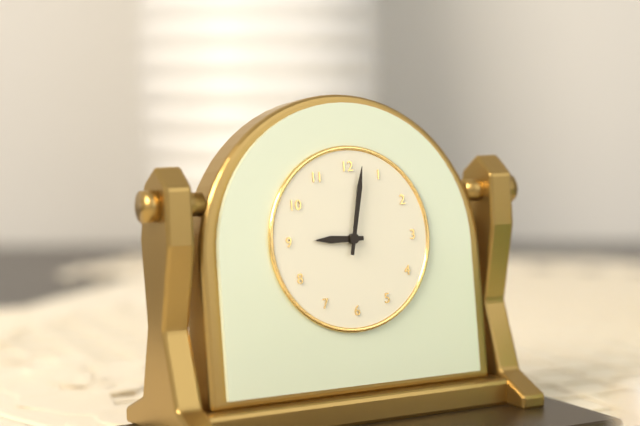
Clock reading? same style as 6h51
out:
9h02
